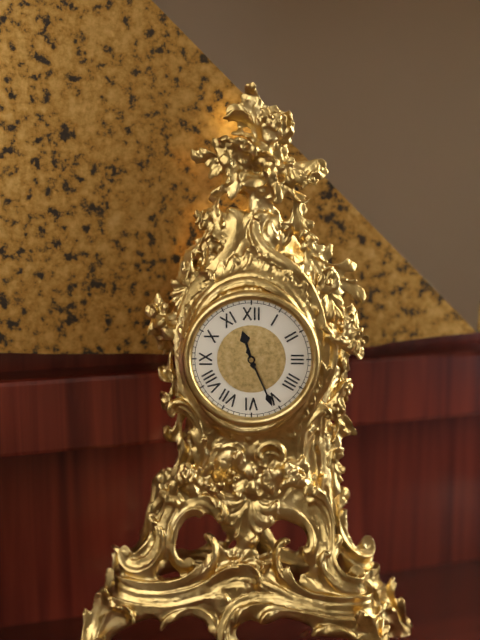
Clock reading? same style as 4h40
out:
11h26
